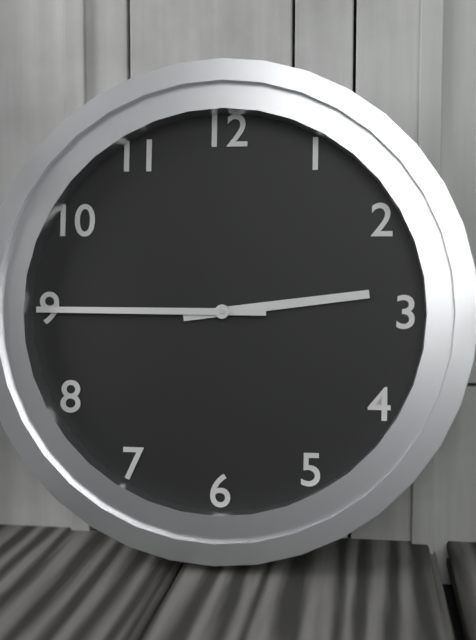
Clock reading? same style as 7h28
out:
2h45
